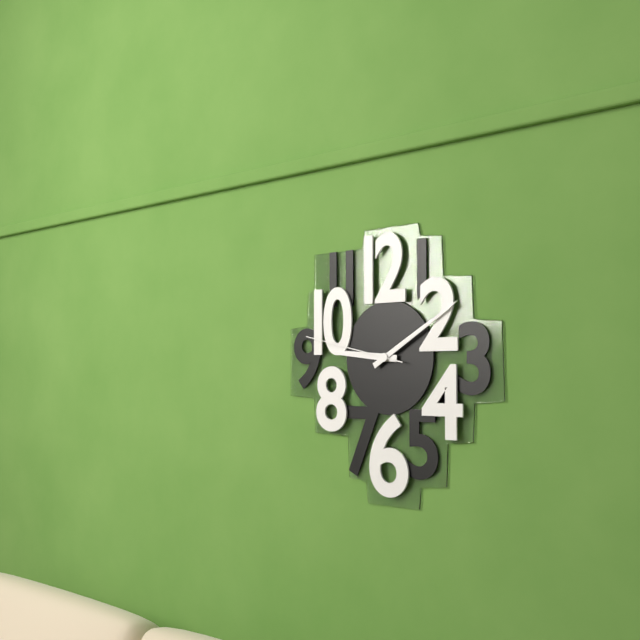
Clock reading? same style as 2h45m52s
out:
9h10m47s
